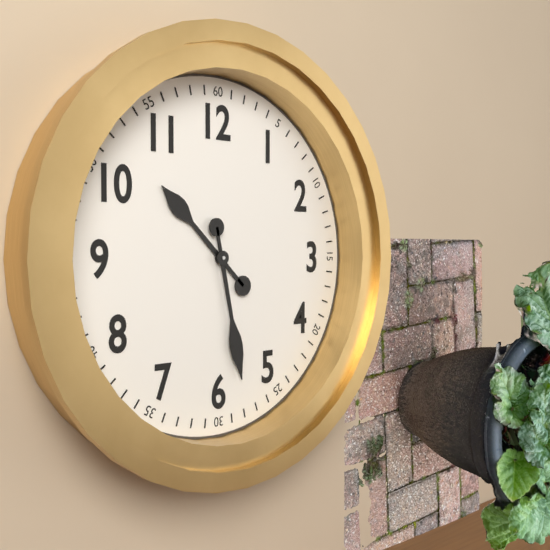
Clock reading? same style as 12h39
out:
10h28
